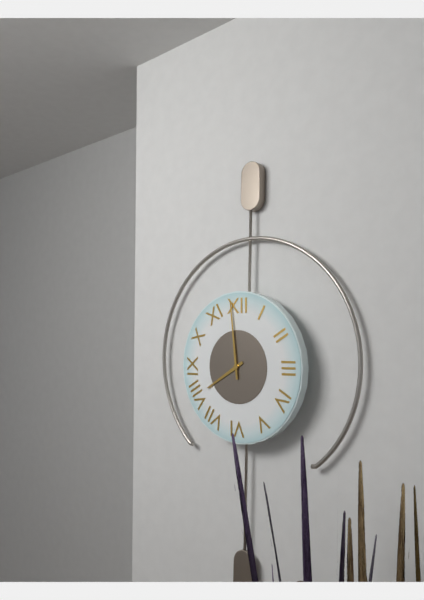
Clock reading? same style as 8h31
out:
7h59
